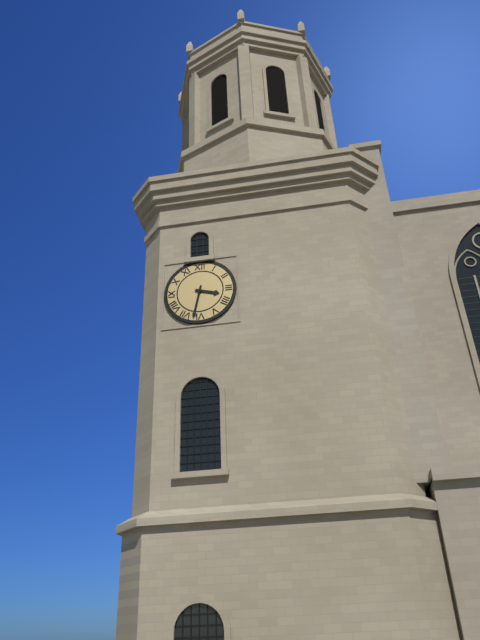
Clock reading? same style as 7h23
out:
3h32
